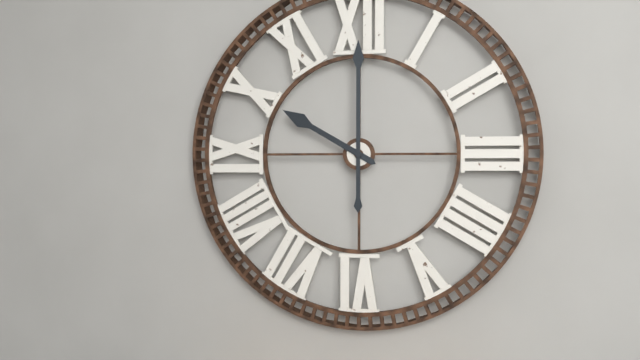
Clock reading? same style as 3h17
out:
10h00
